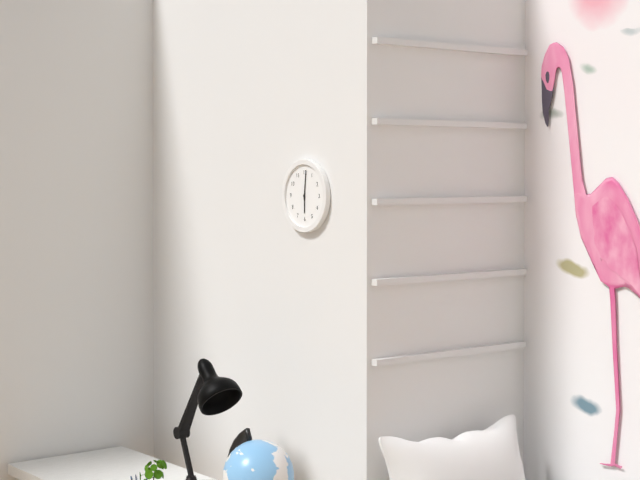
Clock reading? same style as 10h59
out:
6h01
